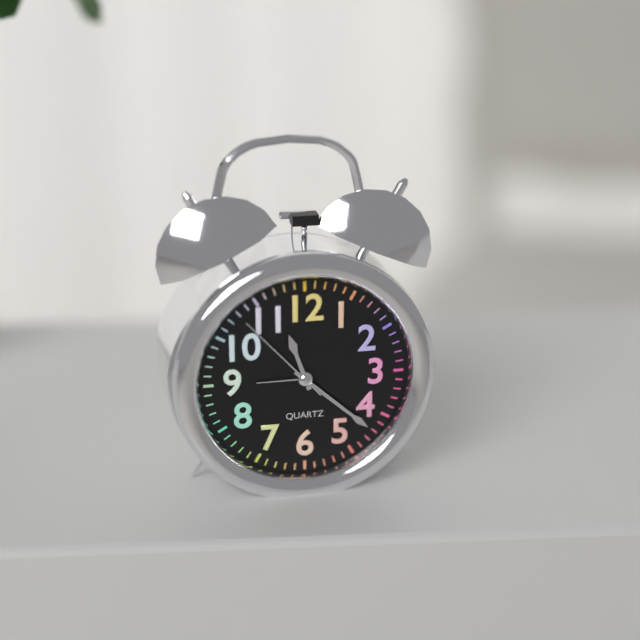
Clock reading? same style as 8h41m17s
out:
11h22m53s
